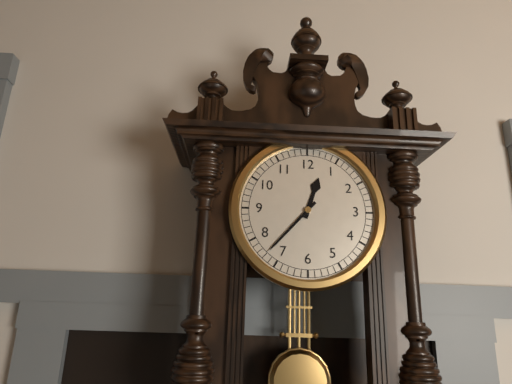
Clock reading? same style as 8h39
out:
12h37
